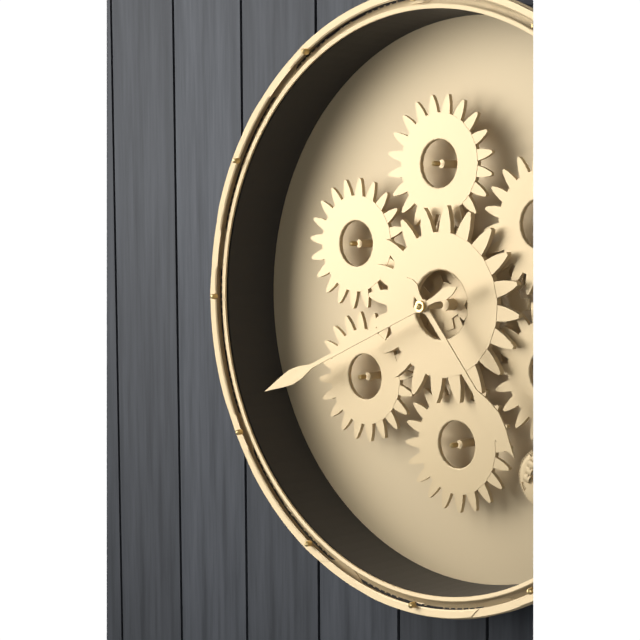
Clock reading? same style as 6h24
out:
4h41
